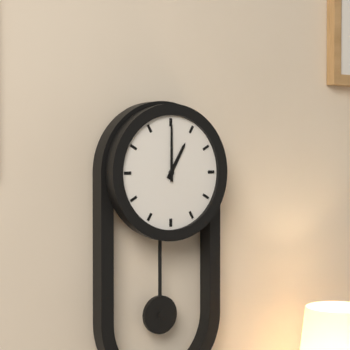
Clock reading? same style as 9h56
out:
1h00
